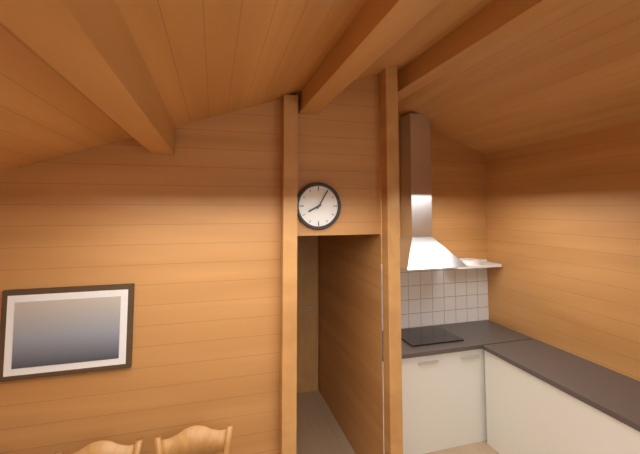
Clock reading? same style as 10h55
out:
8h05
